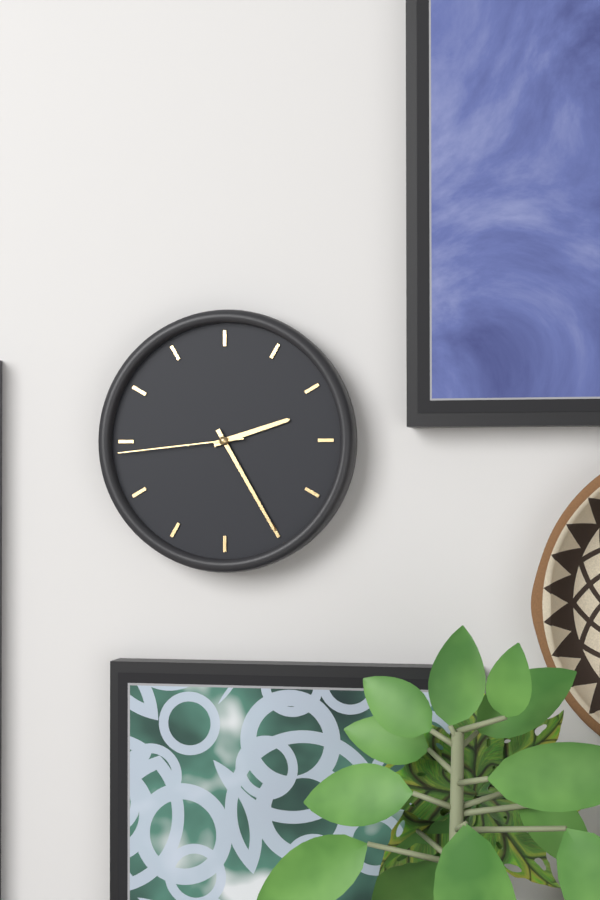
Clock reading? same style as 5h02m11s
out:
2h25m44s
